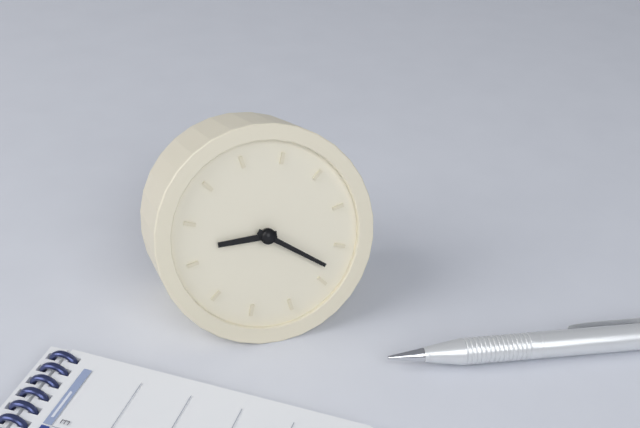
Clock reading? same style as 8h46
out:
9h23
